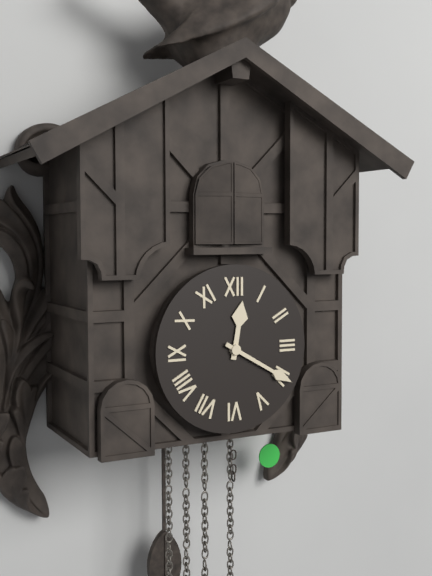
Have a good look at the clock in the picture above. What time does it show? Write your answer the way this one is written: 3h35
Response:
12h20
